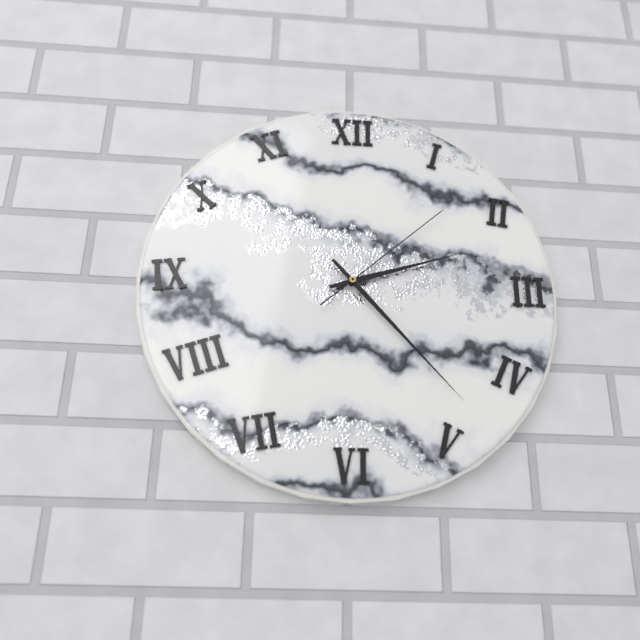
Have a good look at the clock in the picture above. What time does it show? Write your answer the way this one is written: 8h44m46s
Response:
2h23m08s
